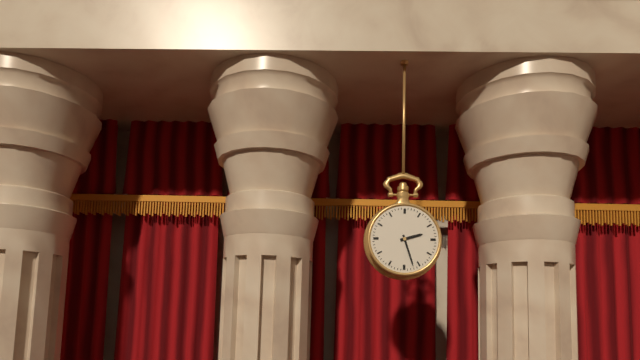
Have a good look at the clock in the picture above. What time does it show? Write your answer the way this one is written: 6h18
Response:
2h27
